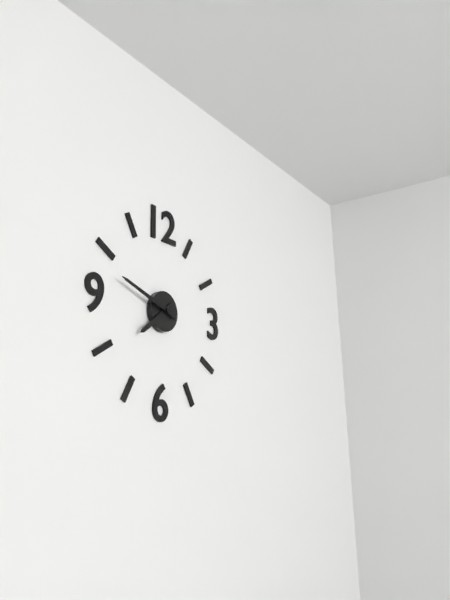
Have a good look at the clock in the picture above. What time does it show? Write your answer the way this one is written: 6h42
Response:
7h48
